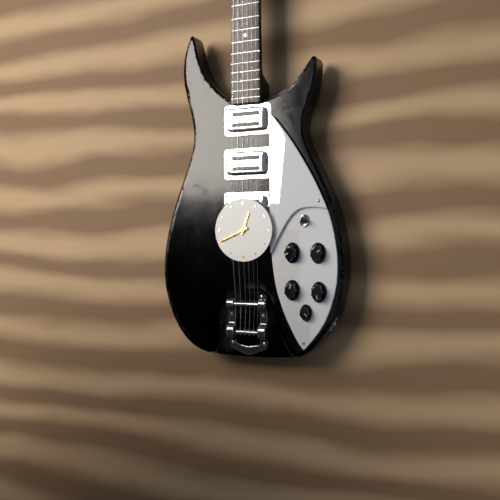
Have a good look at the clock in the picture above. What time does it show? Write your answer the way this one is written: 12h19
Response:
12h41
